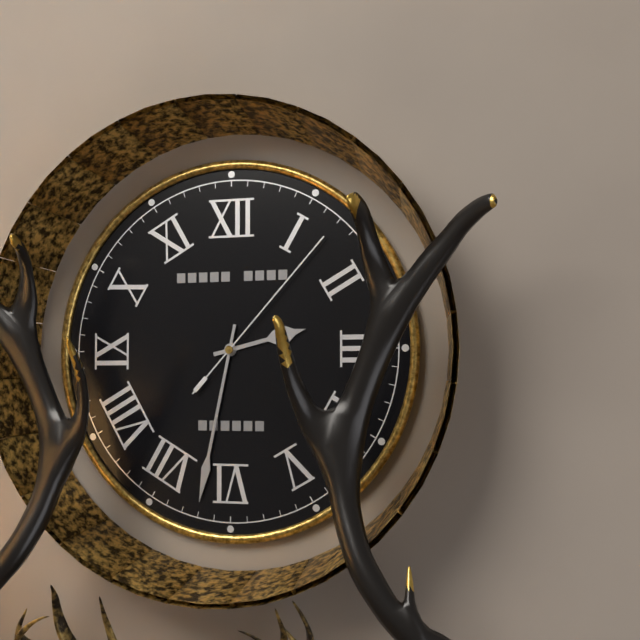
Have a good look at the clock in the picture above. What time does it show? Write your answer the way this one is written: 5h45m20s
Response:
2h32m07s
